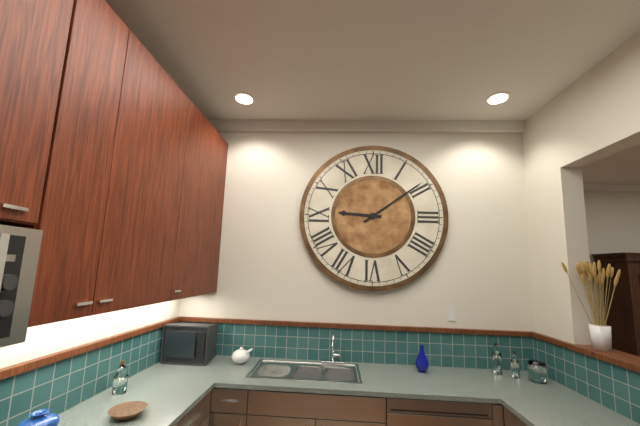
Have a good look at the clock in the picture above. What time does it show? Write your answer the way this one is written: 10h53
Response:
9h09
